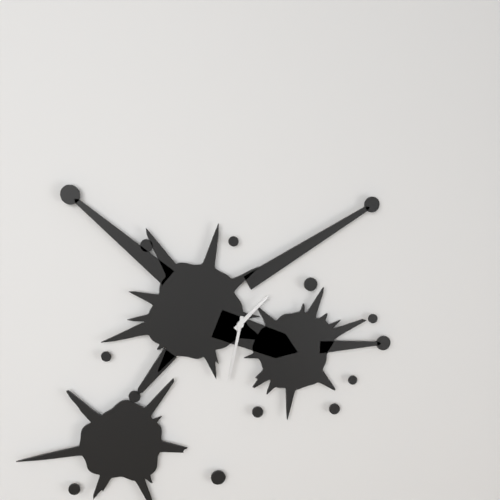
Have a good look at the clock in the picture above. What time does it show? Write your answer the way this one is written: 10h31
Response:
1h32
